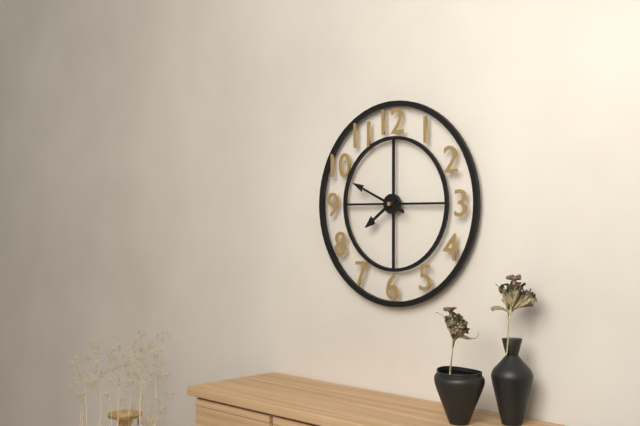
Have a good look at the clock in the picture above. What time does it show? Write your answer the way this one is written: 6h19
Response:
7h49
